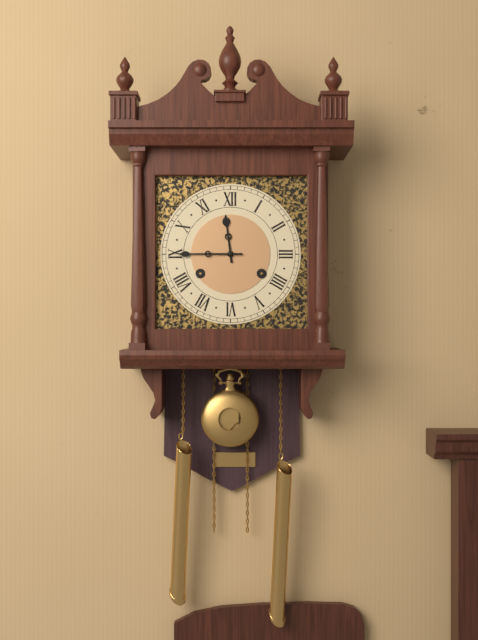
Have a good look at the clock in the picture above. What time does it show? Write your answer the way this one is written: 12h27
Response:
11h45
